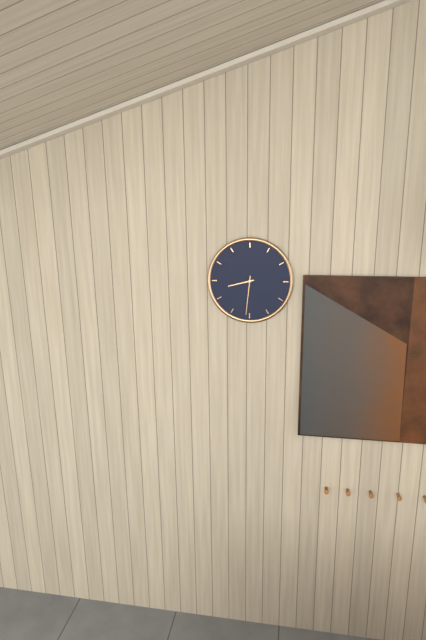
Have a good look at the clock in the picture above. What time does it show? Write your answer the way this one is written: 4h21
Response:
8h31
